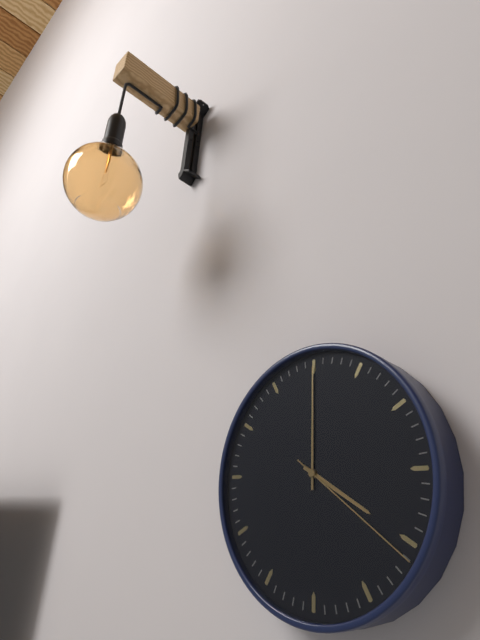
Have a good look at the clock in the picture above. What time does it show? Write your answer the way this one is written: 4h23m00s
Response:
4h00m21s
